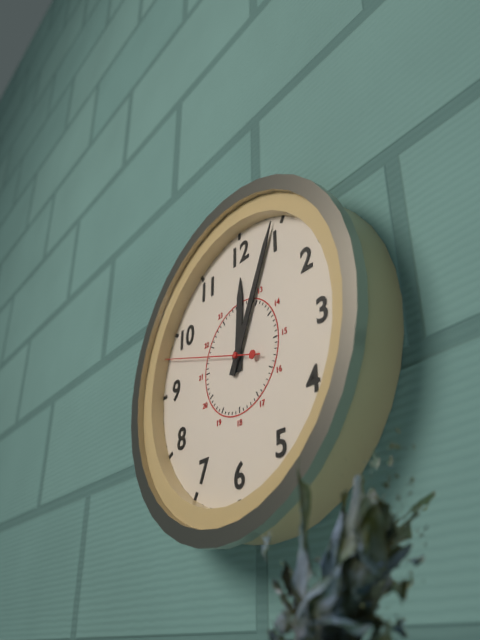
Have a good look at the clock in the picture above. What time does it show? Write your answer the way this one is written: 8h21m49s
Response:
12h04m48s
